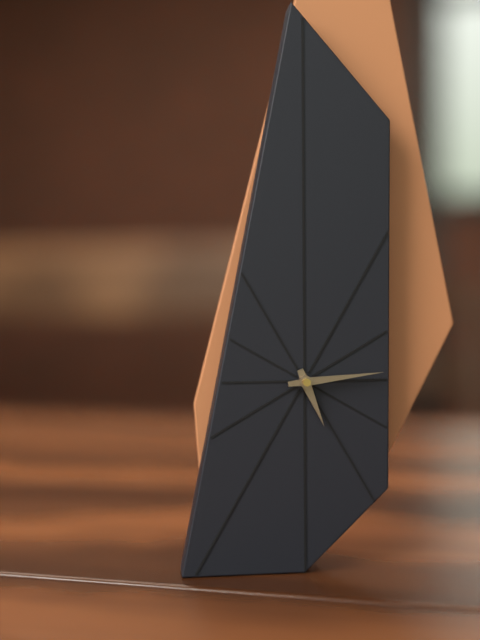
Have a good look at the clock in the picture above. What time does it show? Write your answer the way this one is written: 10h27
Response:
5h14
